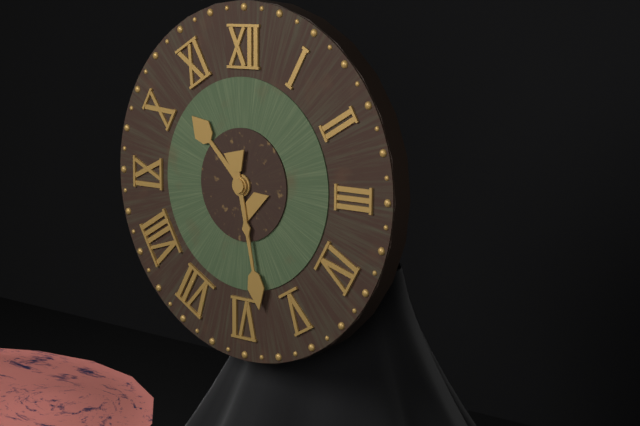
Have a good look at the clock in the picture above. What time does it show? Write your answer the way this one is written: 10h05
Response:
10h28
